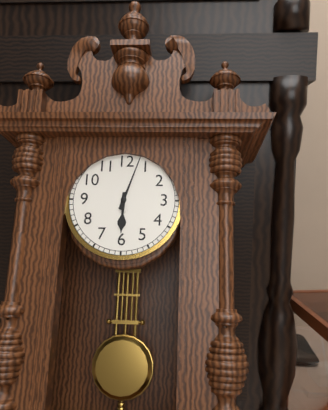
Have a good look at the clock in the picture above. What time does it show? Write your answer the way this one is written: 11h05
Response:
6h03
